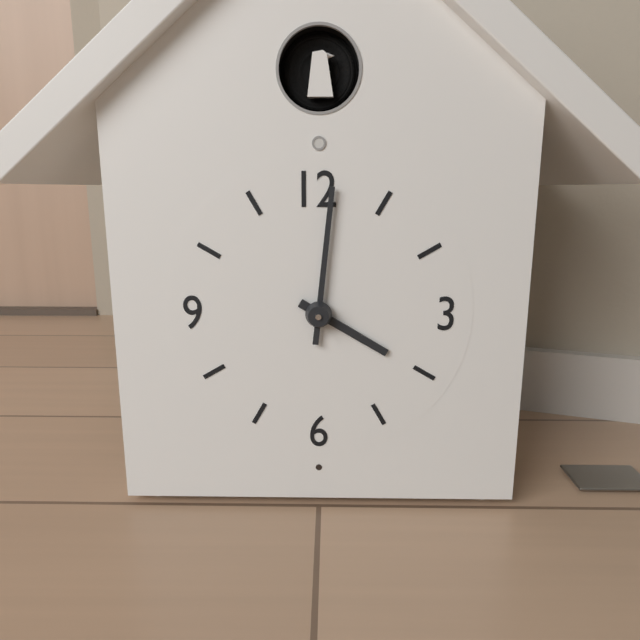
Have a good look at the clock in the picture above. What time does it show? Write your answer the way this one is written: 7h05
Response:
4h01
